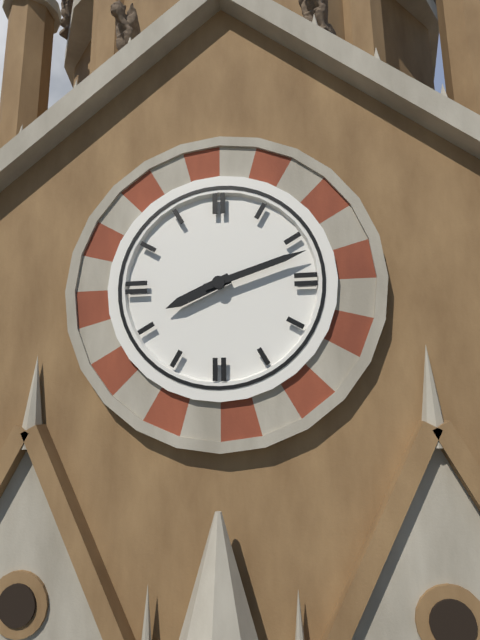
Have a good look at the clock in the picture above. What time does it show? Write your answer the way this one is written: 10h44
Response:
8h12
